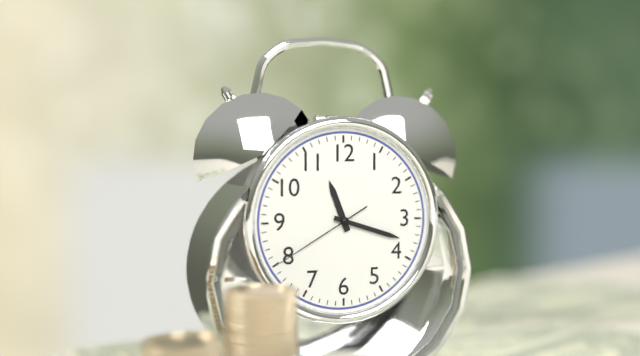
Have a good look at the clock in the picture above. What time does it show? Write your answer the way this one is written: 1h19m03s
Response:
11h18m40s
